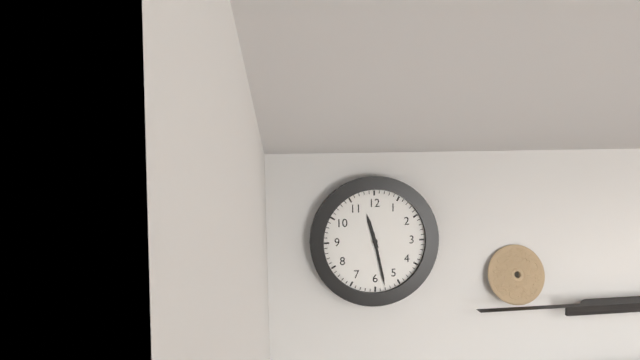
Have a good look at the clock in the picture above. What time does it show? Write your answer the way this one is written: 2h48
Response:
11h28
